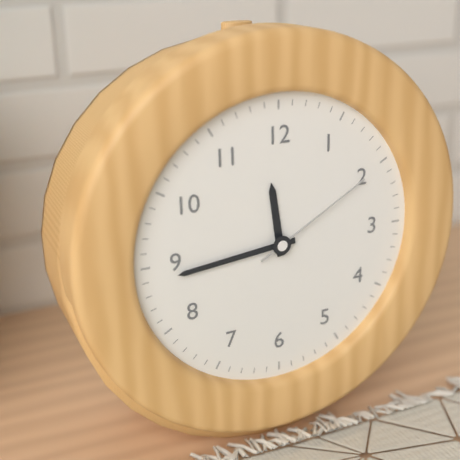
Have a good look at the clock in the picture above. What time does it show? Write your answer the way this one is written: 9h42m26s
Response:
11h44m10s
